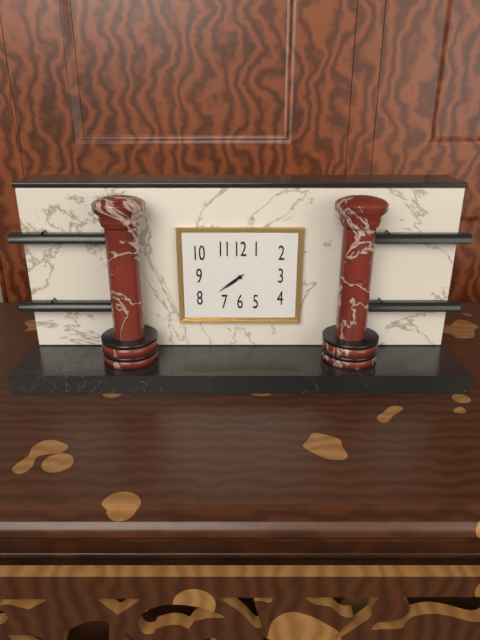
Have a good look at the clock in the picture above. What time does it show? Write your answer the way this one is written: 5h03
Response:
7h39
